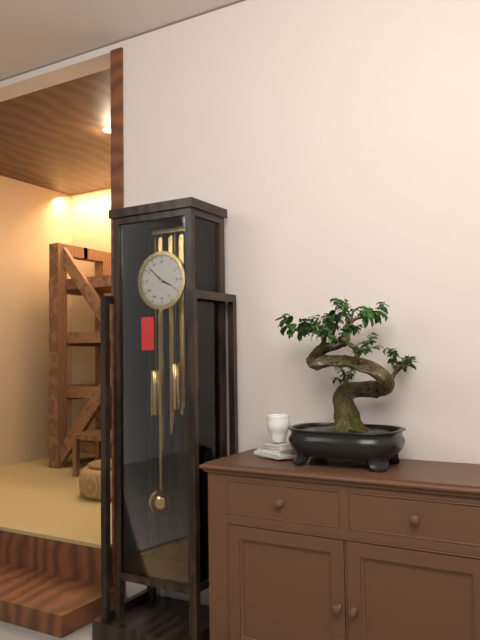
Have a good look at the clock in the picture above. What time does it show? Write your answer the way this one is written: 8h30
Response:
3h52
